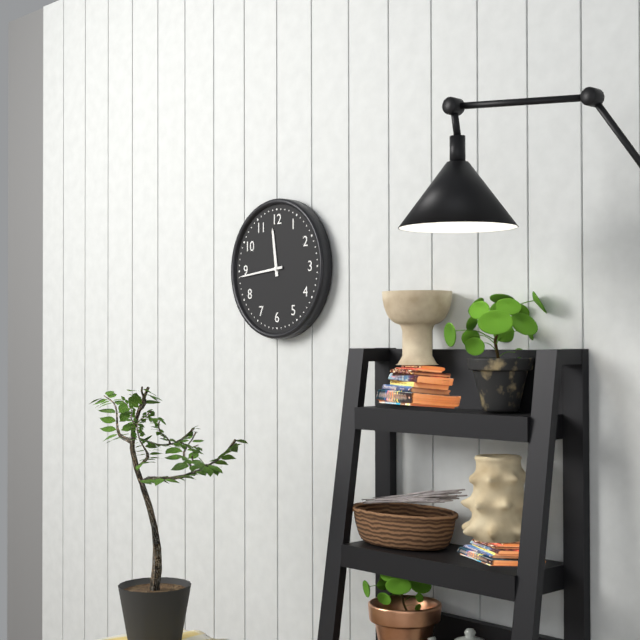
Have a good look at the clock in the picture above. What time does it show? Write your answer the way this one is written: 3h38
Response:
11h44
